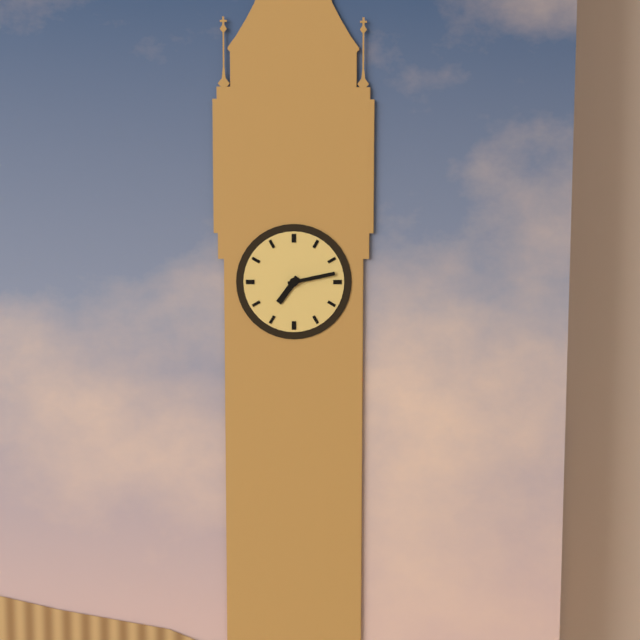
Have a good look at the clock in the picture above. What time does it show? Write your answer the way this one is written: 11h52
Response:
7h13
